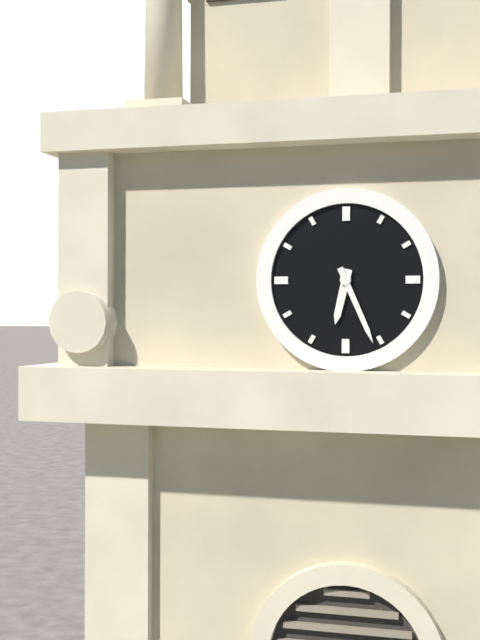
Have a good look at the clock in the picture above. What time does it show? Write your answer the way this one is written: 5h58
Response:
6h26
